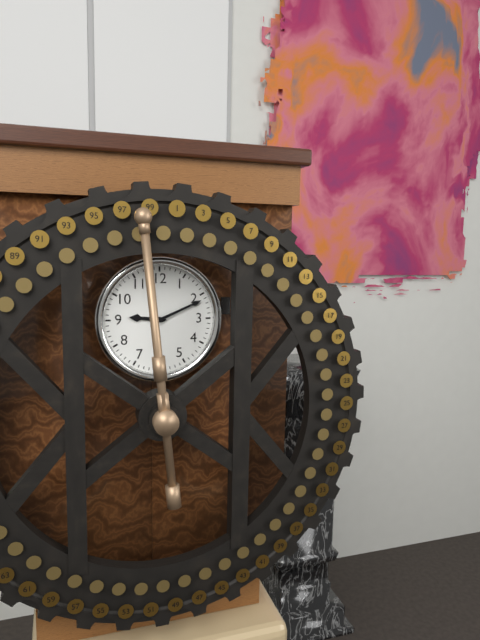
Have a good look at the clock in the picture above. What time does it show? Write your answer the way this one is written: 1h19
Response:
9h11
